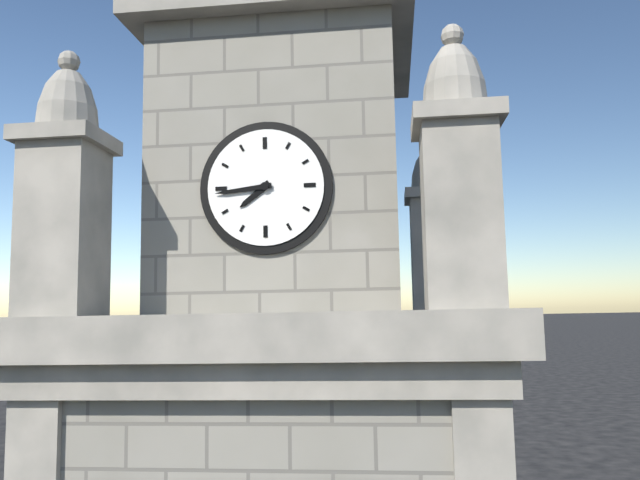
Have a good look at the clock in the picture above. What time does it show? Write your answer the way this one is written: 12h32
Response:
7h44
